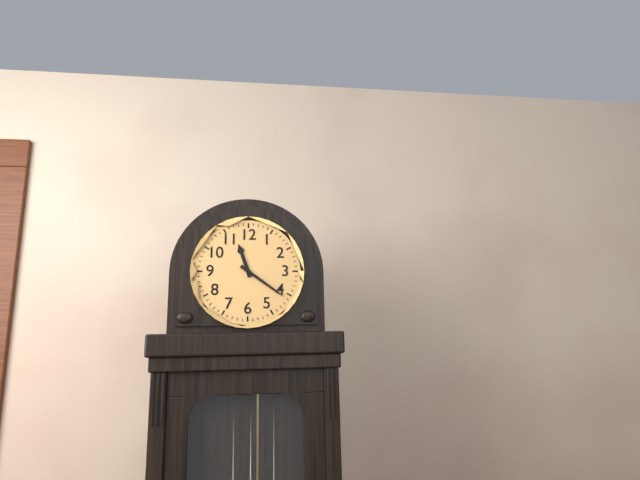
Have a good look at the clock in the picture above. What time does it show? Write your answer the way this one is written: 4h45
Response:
11h21
